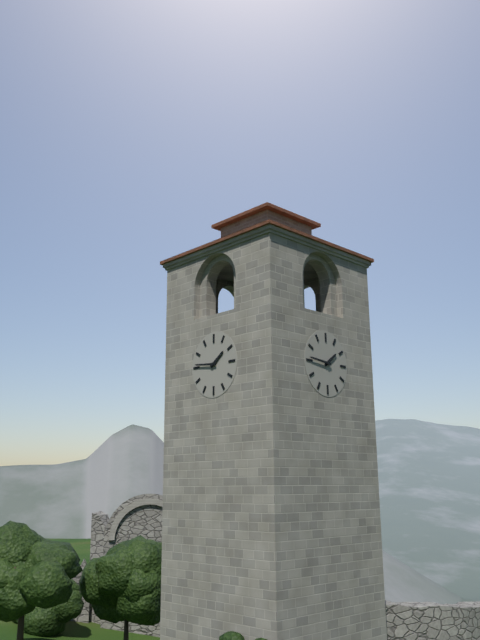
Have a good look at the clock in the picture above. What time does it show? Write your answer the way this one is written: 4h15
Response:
1h46
